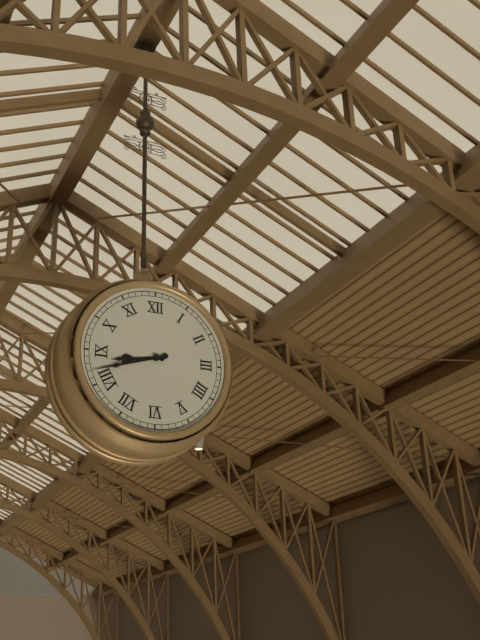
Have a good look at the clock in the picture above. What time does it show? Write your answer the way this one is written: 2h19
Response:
8h42
